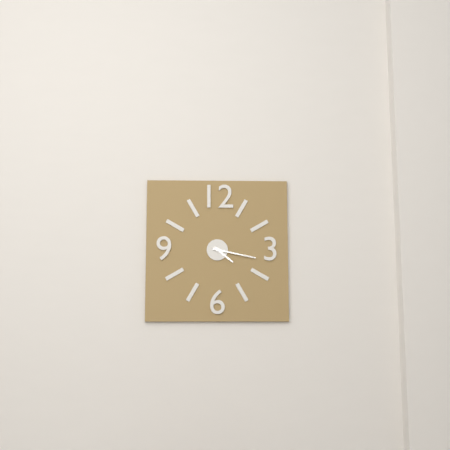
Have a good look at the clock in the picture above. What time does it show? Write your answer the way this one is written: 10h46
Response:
4h17
